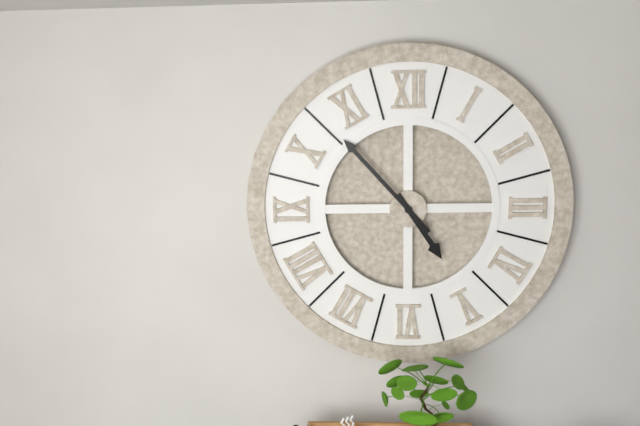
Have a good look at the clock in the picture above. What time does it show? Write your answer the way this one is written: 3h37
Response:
4h53
